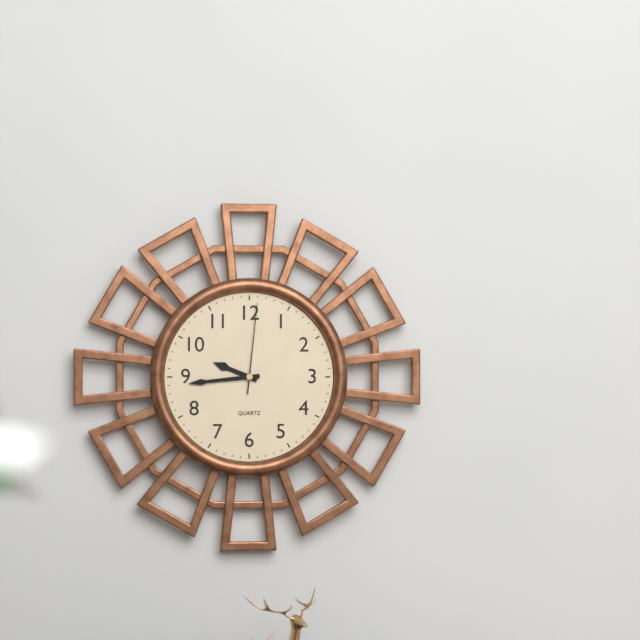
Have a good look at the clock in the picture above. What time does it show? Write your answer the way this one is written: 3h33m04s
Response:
9h44m01s
